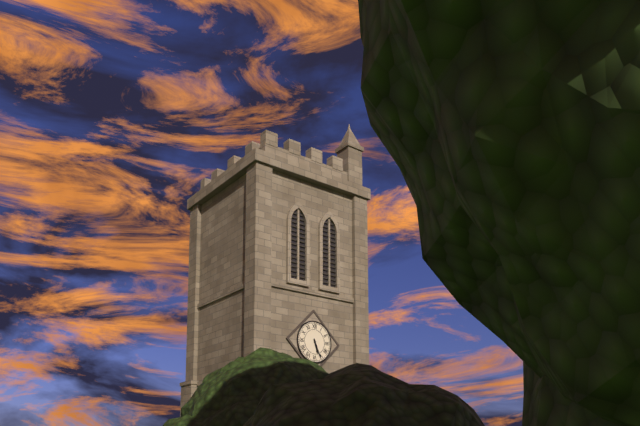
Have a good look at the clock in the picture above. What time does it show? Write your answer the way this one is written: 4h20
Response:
5h26
